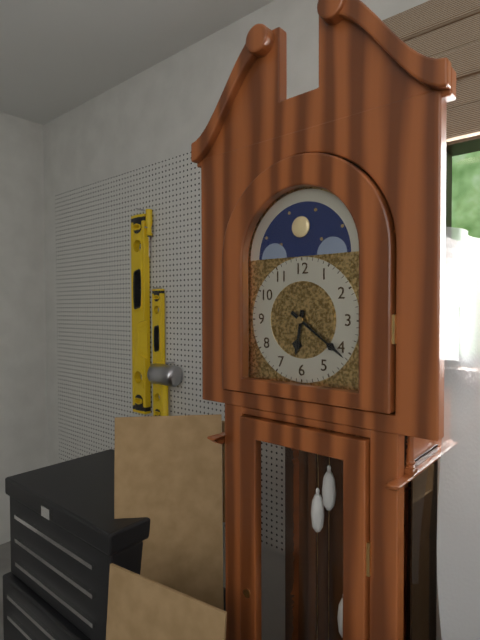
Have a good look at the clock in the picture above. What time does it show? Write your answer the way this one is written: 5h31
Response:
6h21
